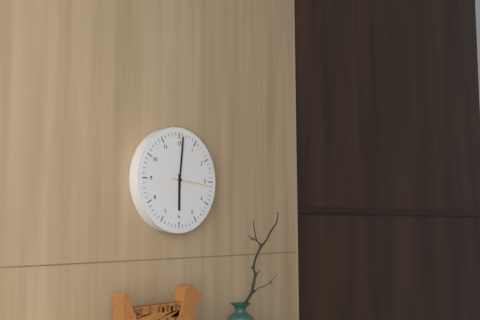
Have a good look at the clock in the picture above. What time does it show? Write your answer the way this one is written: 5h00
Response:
6h01
